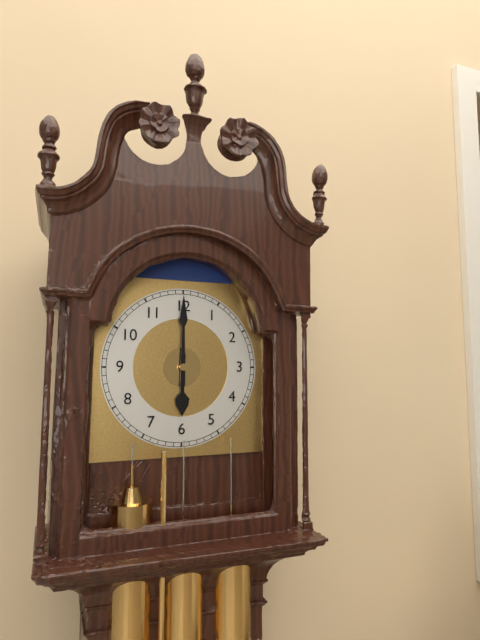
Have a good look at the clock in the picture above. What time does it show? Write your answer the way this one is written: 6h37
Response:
6h00
